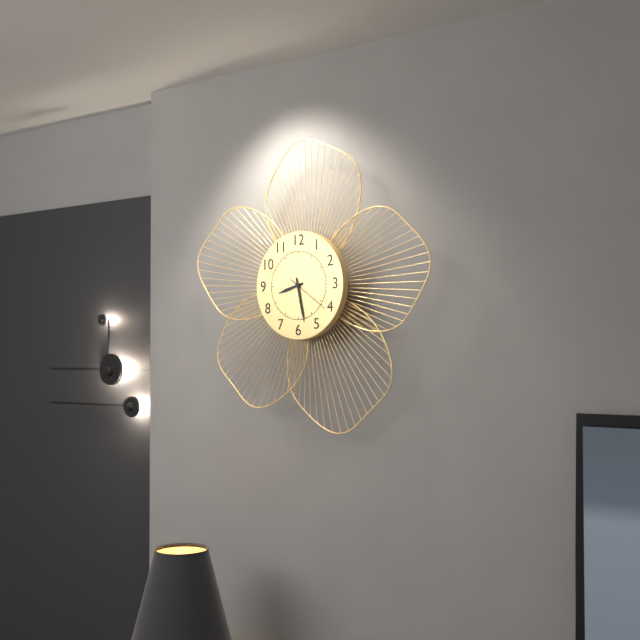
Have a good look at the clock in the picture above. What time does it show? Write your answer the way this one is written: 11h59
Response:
8h28
